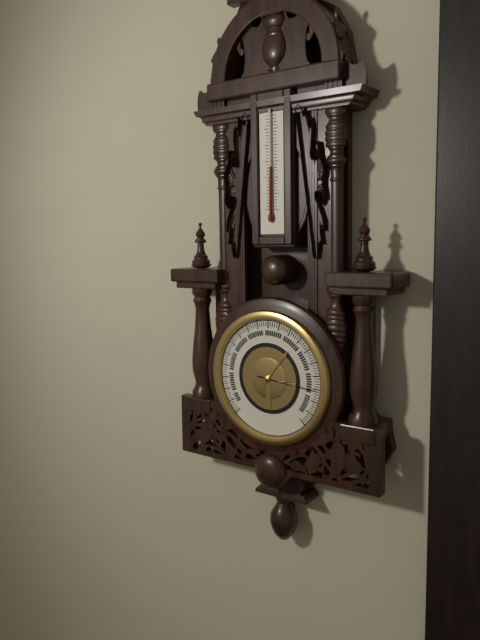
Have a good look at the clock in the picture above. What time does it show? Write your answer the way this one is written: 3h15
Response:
1h16
